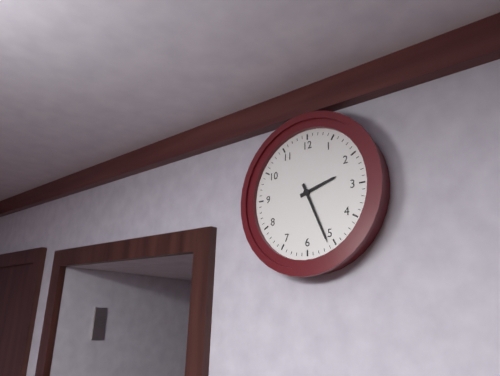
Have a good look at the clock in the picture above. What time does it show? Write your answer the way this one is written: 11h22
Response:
2h26
